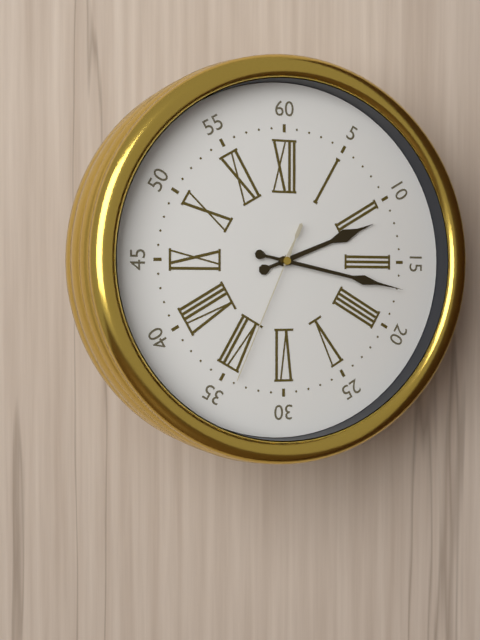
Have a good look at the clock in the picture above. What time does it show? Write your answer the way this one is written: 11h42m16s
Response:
2h17m34s
